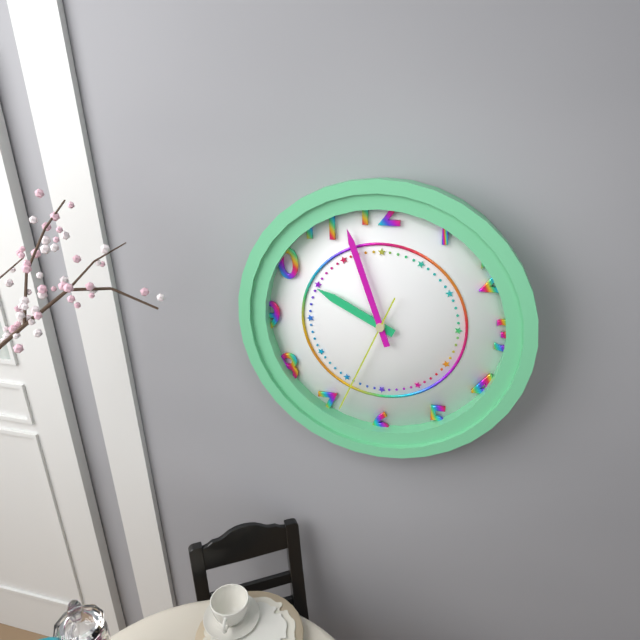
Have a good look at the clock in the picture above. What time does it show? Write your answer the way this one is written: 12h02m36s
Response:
9h57m34s
